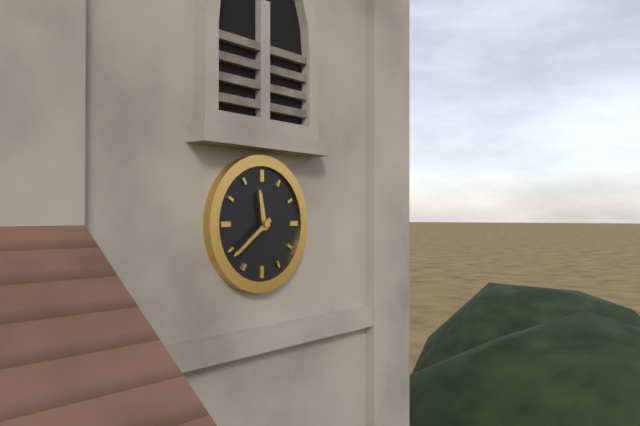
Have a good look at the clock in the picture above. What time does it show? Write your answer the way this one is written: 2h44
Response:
11h39
